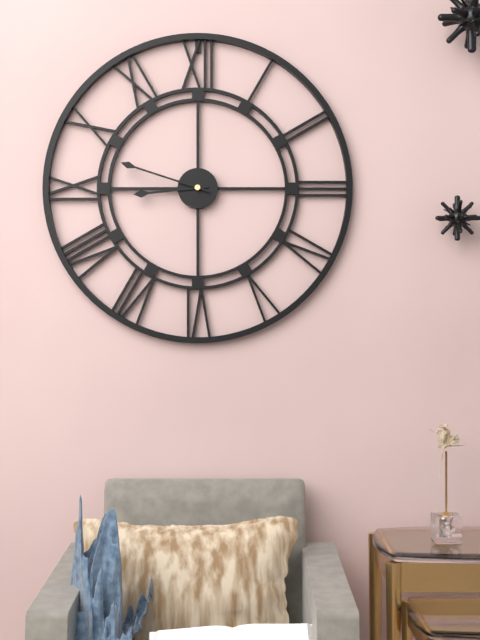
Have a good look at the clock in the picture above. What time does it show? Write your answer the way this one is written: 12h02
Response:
8h48
